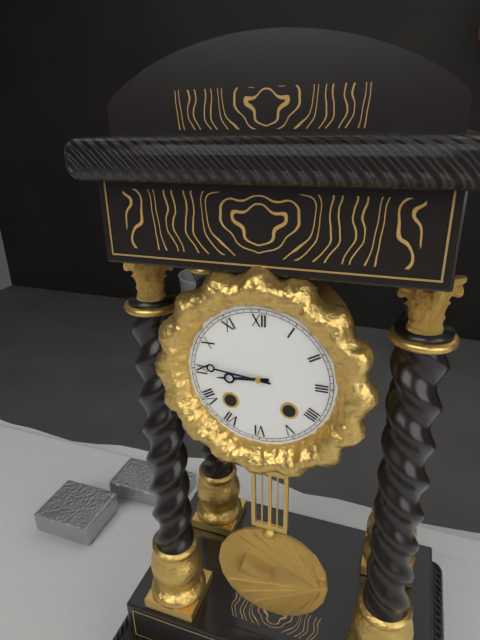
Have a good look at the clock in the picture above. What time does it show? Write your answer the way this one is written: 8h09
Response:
8h46
